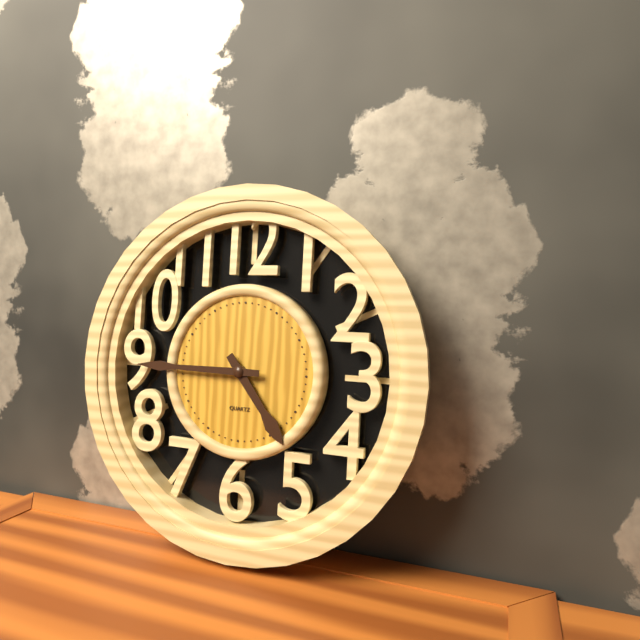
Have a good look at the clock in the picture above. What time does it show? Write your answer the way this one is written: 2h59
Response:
4h45
